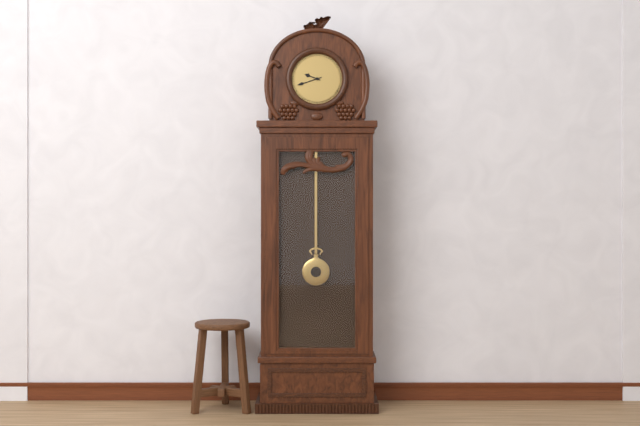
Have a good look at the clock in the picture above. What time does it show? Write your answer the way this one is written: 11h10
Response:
9h42
